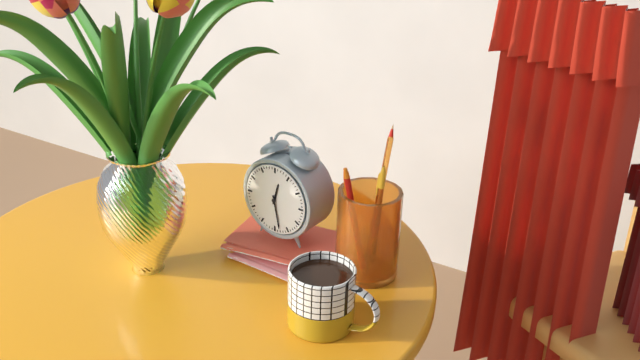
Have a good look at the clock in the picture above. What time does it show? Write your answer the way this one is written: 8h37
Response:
12h28
